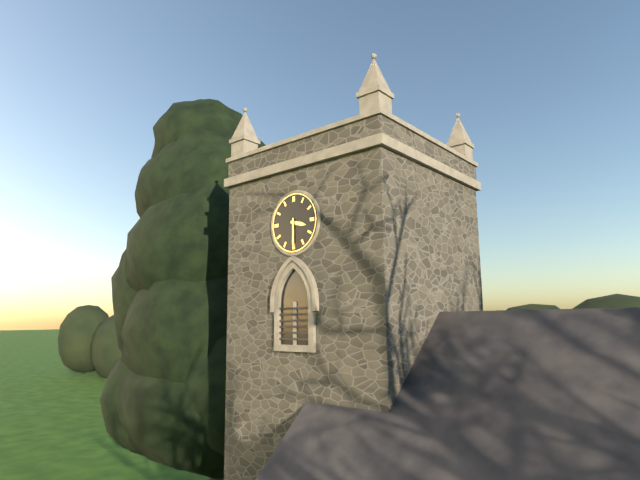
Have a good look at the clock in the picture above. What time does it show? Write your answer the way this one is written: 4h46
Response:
3h30
